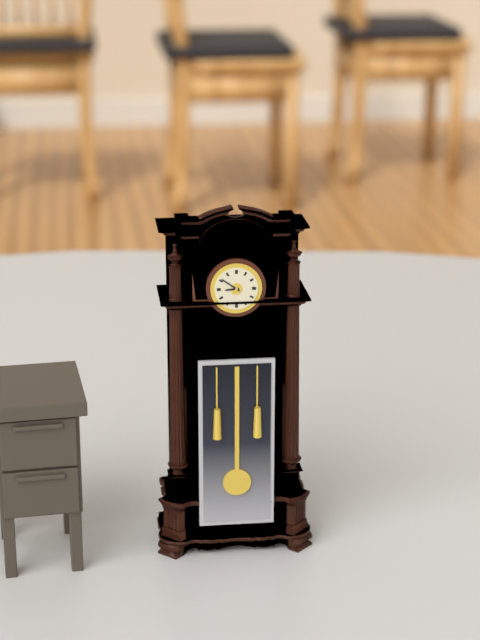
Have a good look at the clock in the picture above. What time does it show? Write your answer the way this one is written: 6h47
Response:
8h51
